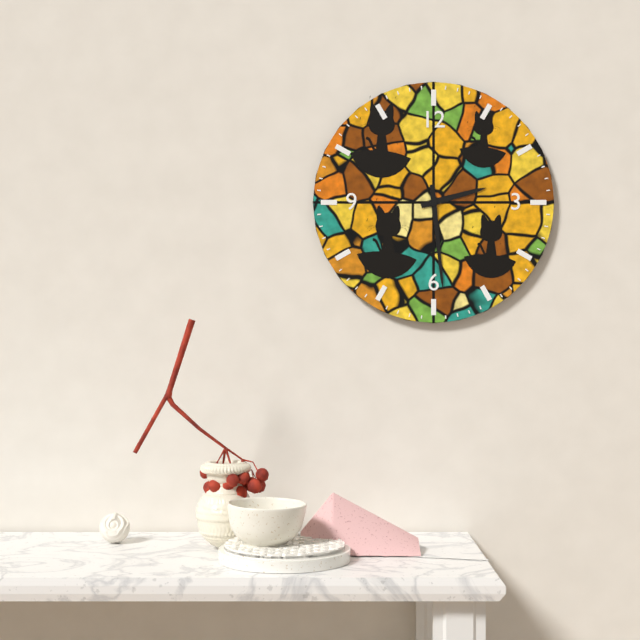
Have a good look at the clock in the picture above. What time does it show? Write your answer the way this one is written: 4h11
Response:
2h29
